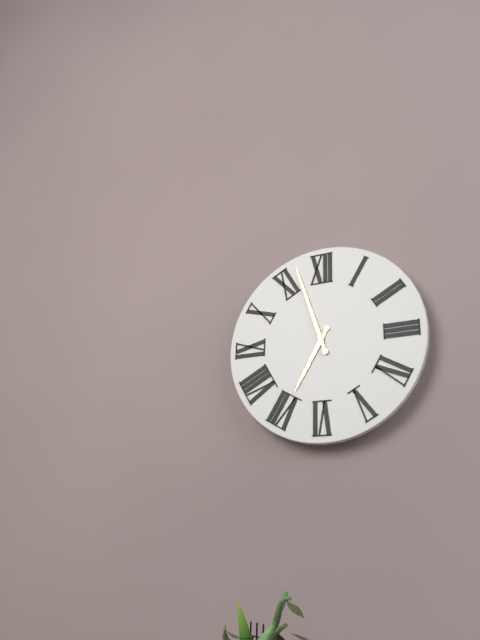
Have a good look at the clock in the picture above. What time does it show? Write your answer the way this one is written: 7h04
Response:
6h57
